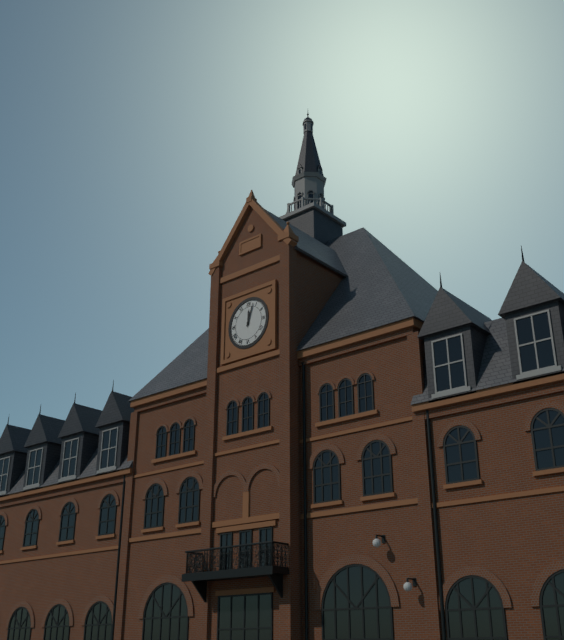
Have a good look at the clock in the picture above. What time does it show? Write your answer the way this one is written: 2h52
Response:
12h03
